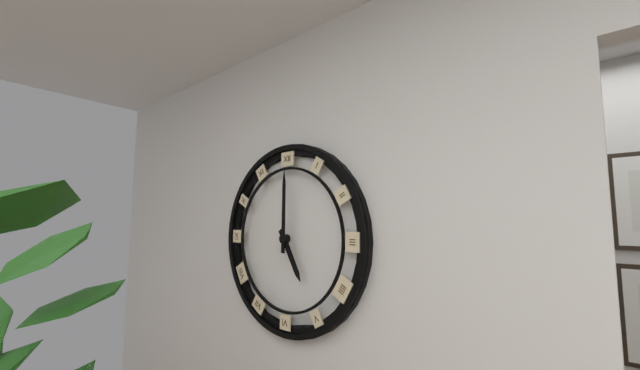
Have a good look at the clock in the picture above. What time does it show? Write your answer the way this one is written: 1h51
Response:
5h00
